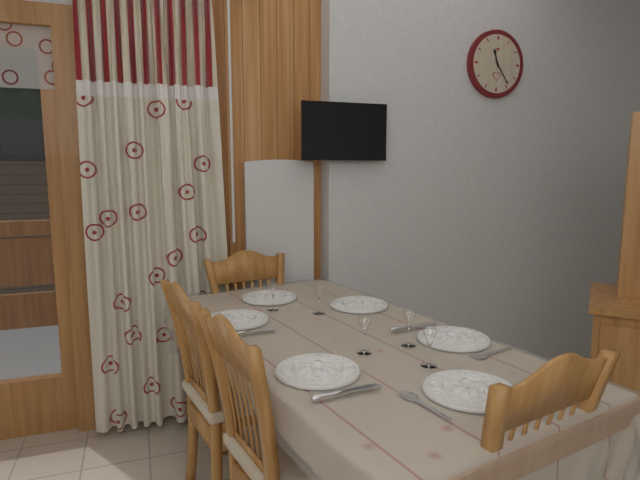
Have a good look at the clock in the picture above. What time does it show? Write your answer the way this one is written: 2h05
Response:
11h24
